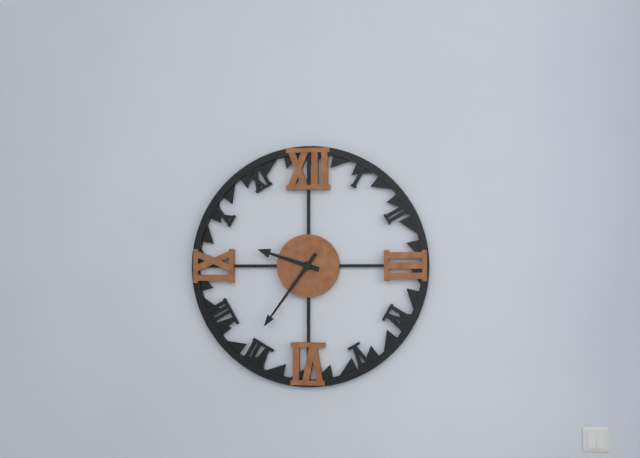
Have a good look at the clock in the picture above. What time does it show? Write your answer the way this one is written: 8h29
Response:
9h36
